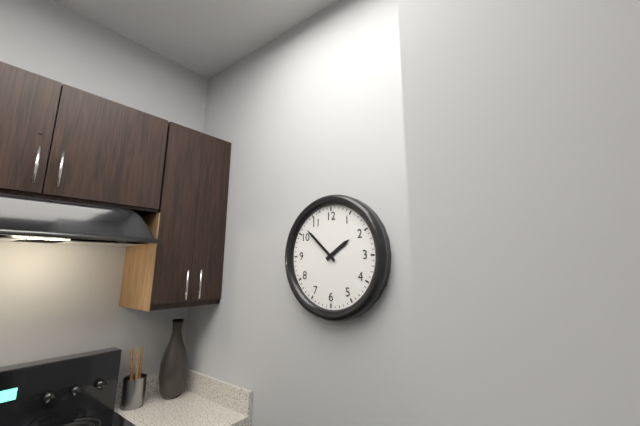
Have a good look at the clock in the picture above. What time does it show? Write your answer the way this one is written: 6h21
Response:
1h52
